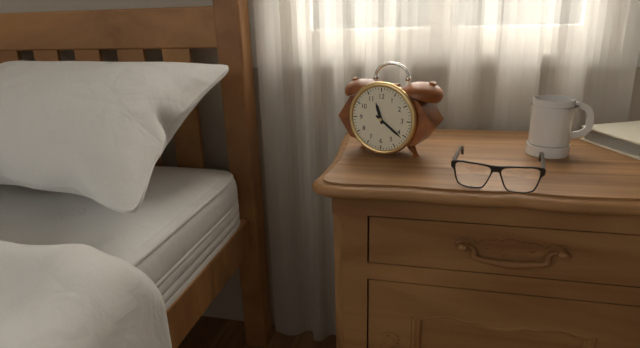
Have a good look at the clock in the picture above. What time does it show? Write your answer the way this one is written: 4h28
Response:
11h21
